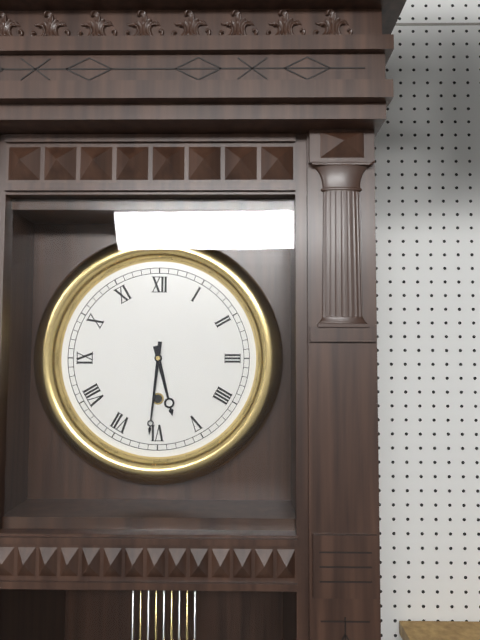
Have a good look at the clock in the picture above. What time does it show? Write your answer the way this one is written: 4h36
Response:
5h31
